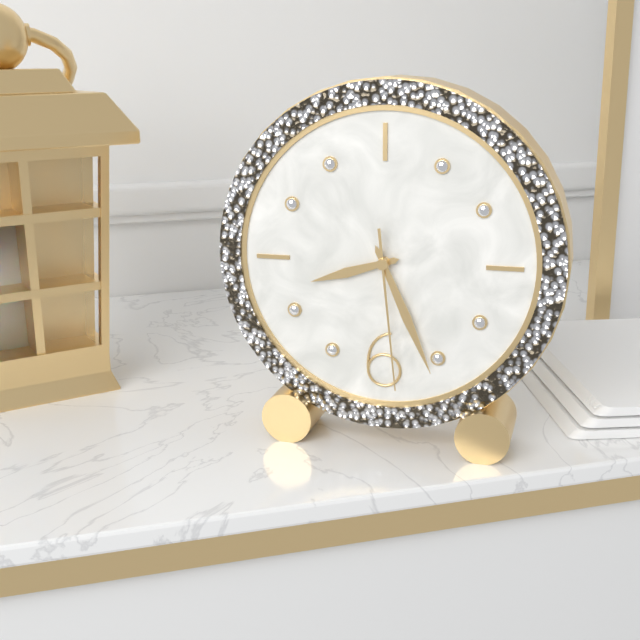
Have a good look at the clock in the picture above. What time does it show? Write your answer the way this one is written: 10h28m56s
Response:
8h26m29s
